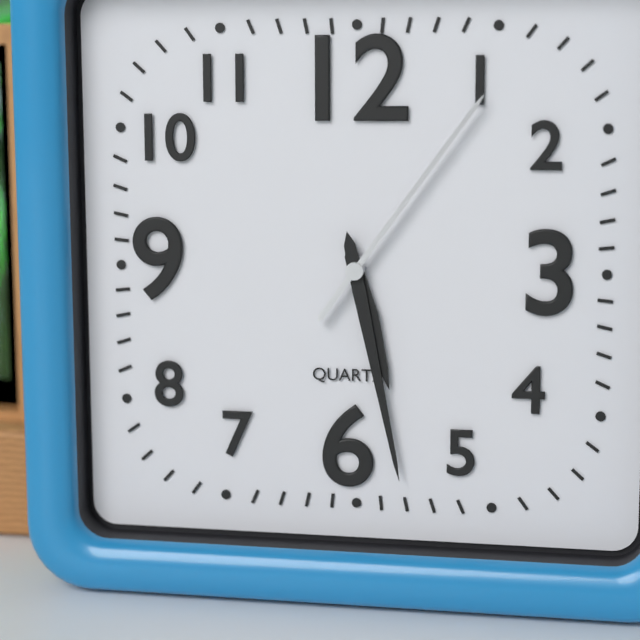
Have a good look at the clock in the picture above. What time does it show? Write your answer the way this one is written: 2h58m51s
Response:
5h28m06s
